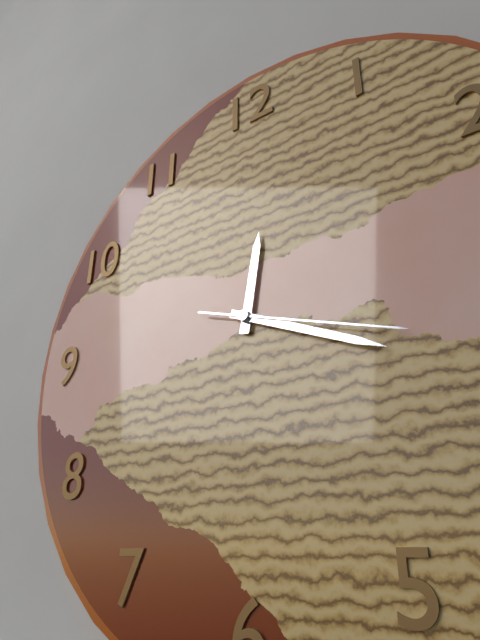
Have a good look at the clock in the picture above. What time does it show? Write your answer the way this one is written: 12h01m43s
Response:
12h19m18s
